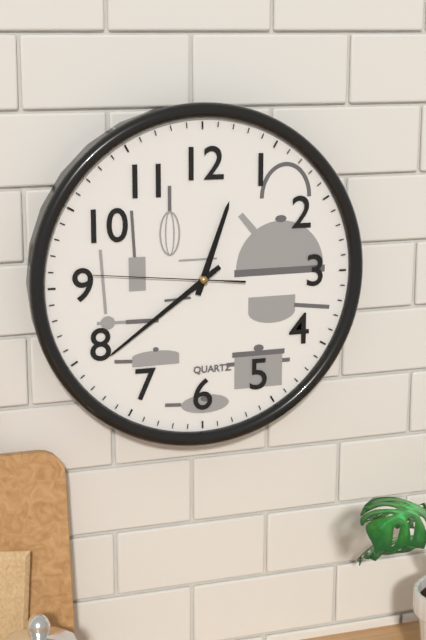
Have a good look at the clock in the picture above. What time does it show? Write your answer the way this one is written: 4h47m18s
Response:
12h39m46s
